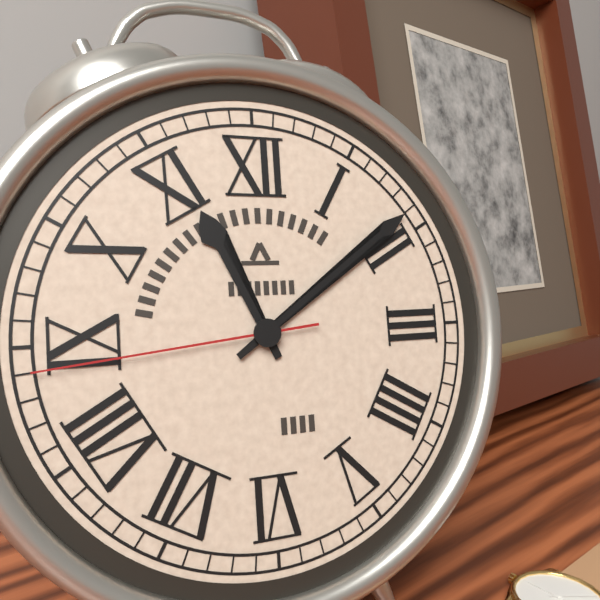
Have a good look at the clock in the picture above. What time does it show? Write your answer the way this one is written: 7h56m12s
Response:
11h09m44s
